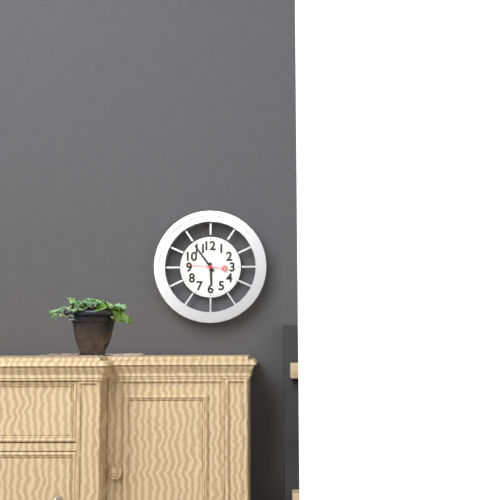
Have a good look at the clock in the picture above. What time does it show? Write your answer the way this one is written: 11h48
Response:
5h54
